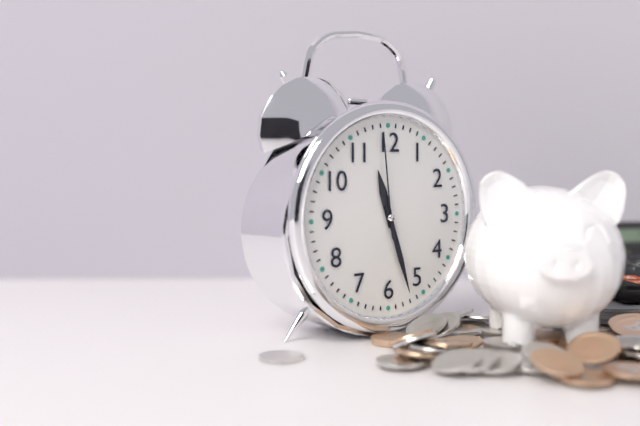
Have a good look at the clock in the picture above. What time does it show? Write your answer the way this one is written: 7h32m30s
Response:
11h27m59s
